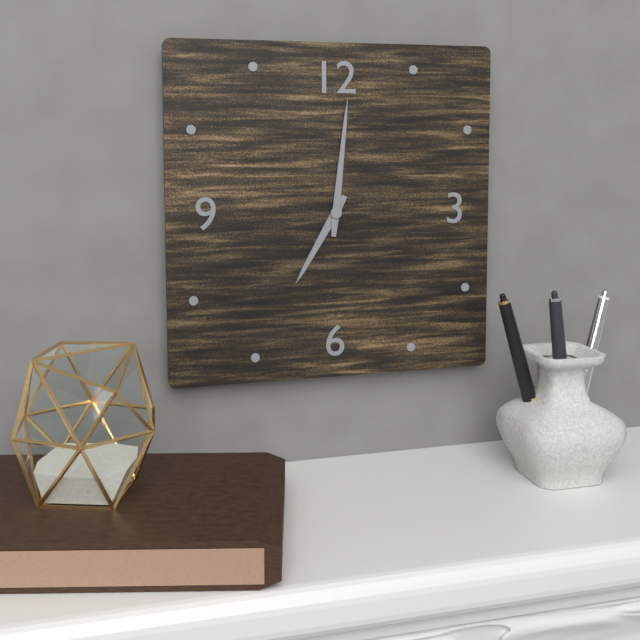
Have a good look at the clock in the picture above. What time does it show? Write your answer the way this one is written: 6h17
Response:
7h01
